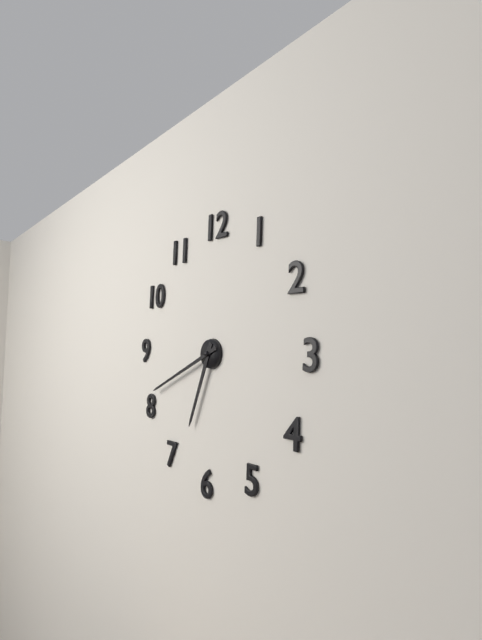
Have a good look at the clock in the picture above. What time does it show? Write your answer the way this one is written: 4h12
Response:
6h41
